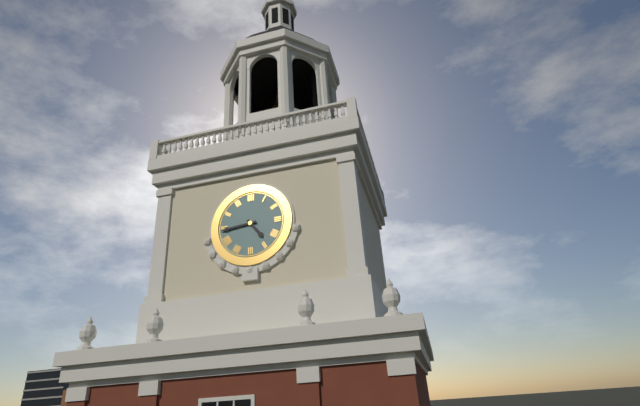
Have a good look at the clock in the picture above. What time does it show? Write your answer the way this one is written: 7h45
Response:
4h44
